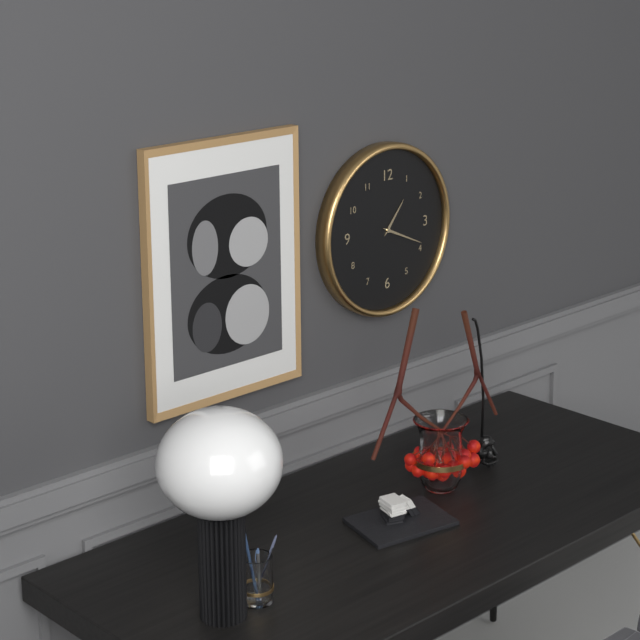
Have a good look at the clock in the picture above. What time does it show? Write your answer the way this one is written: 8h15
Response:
1h19
